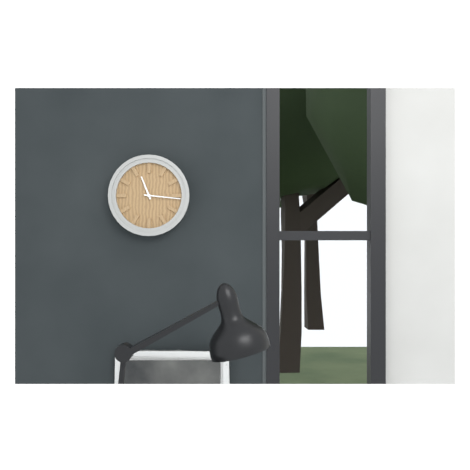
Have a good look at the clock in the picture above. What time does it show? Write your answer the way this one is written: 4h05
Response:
11h16
